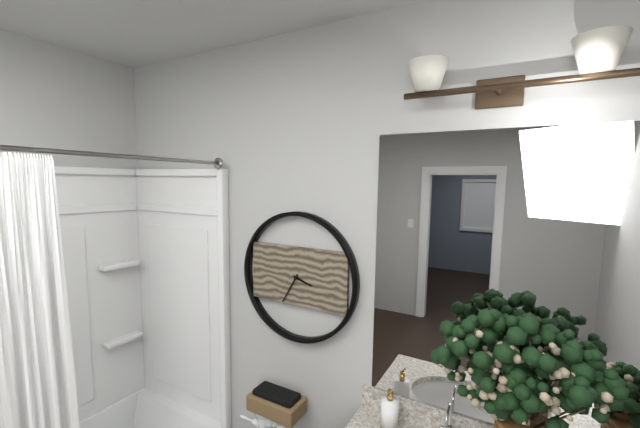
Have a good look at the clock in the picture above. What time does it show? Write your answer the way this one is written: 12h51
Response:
3h35
